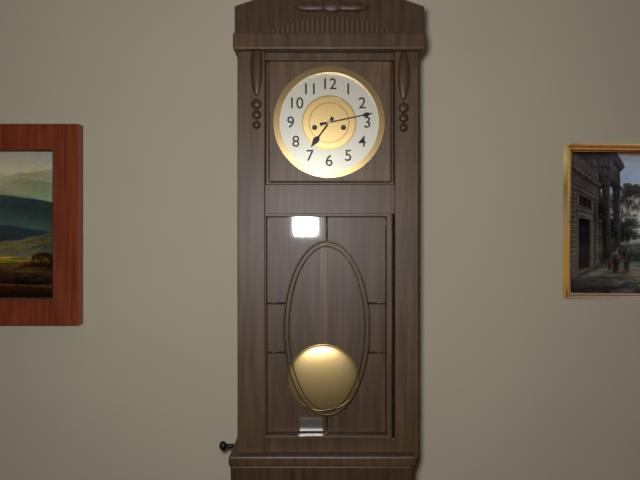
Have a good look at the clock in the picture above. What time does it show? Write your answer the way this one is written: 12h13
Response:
7h13
